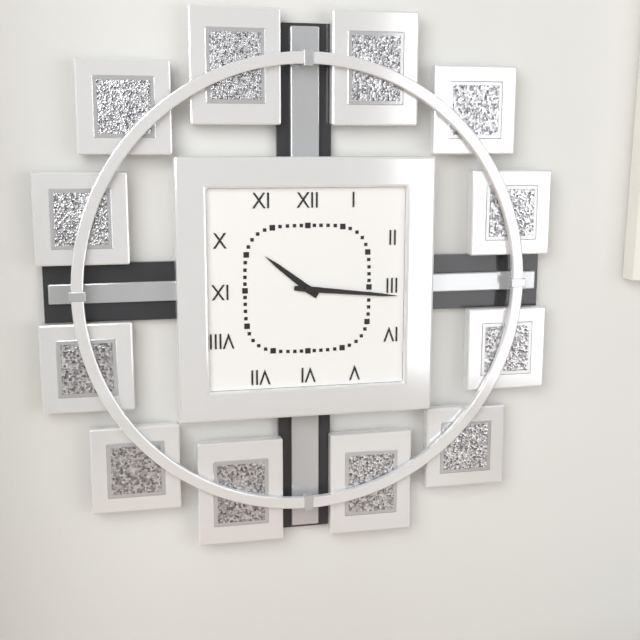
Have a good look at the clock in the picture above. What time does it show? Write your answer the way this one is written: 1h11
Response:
10h16
